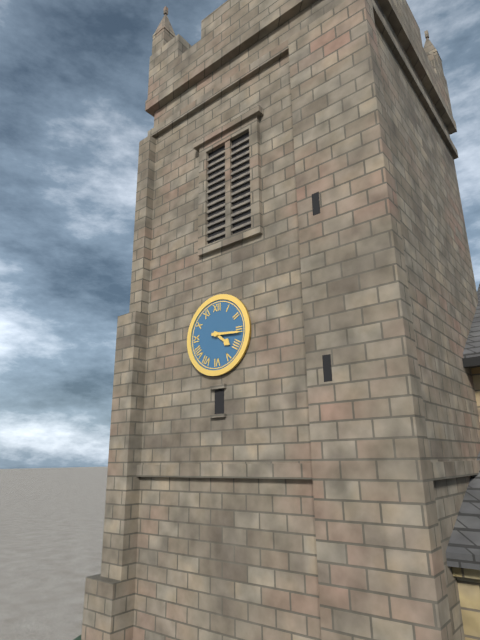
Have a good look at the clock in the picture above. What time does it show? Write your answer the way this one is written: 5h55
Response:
4h16
